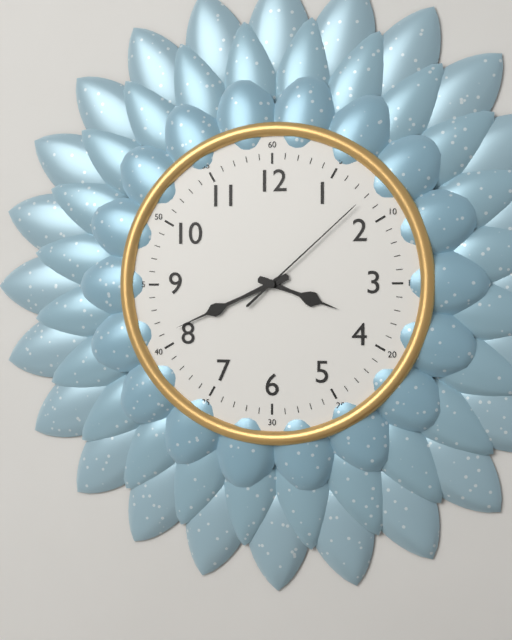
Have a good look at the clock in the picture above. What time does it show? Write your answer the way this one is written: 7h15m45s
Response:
3h41m08s
